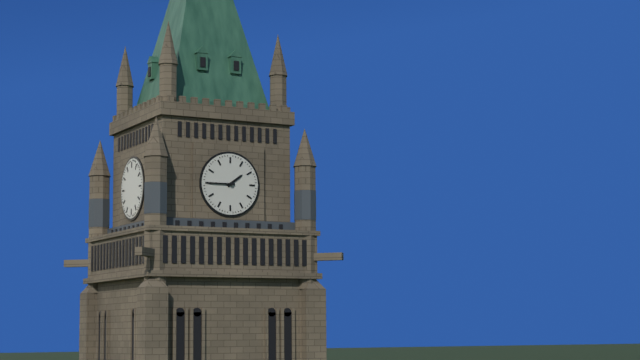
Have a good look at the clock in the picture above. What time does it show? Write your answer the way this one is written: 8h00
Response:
1h45
